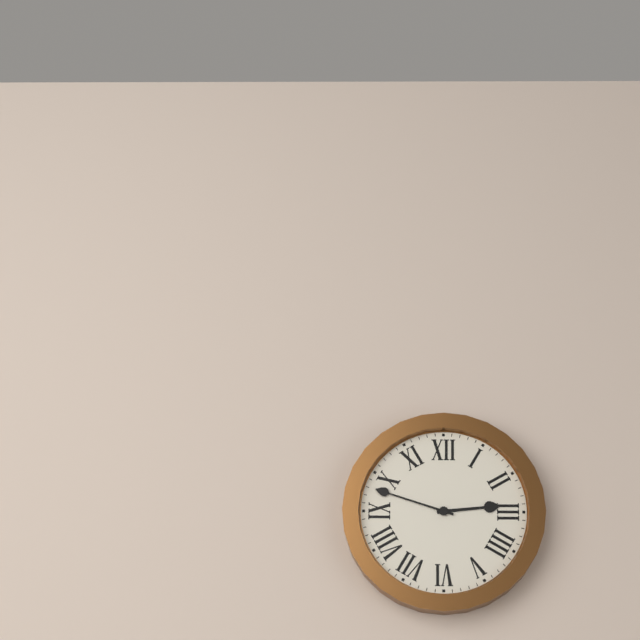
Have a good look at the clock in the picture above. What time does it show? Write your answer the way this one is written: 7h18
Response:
2h48
